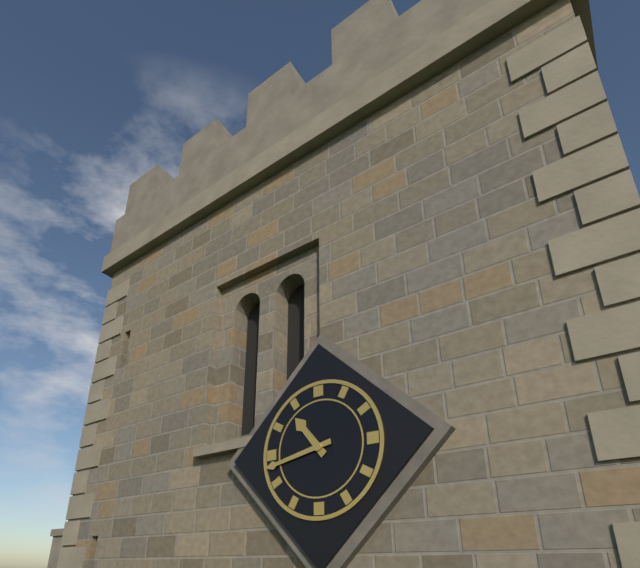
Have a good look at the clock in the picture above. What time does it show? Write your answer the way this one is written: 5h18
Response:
10h43
